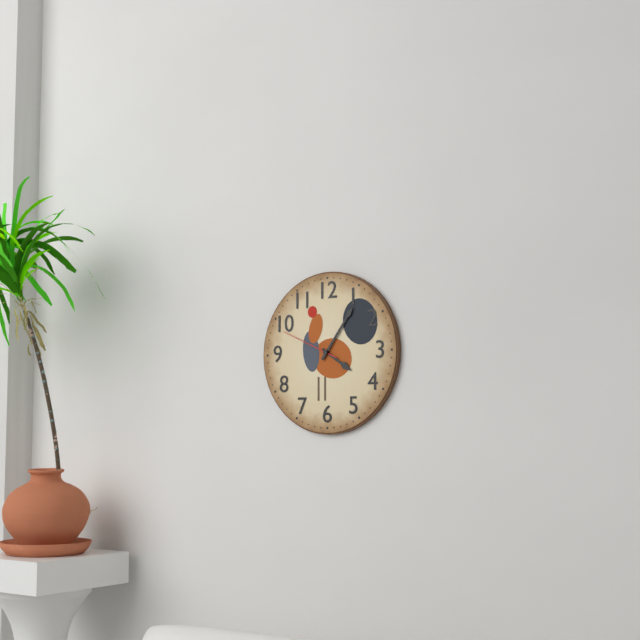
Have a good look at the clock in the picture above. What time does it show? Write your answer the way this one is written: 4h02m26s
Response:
4h06m49s
